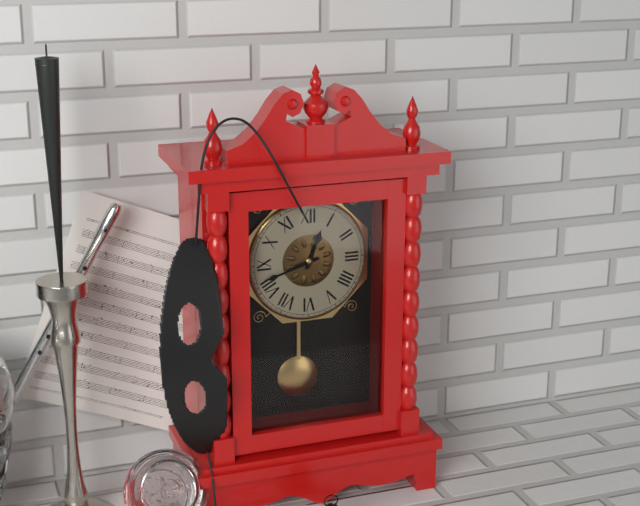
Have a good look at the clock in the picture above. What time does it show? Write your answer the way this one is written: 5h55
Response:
12h42
